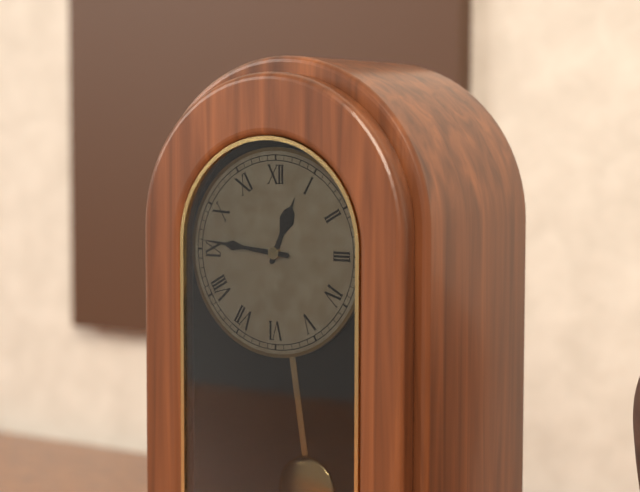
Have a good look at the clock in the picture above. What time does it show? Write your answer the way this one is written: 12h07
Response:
12h46
